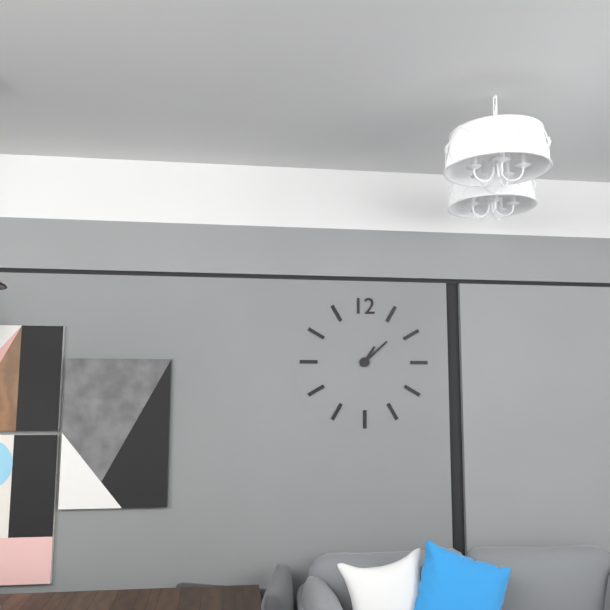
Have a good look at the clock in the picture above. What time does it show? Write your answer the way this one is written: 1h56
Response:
1h08
